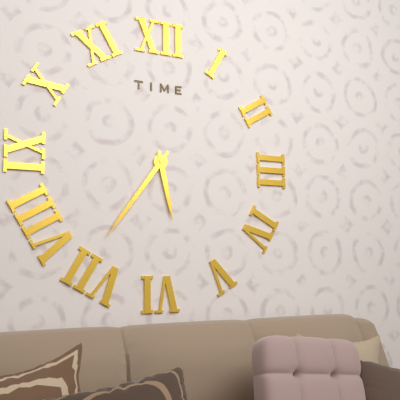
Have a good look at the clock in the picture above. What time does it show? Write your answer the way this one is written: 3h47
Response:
5h36
